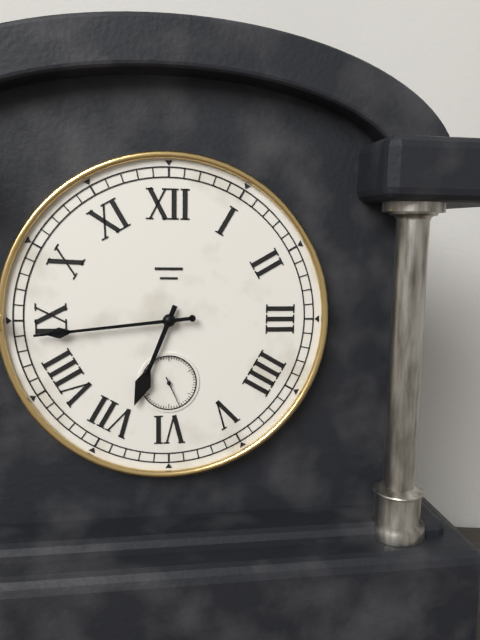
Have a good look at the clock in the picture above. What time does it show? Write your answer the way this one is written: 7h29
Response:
6h44
